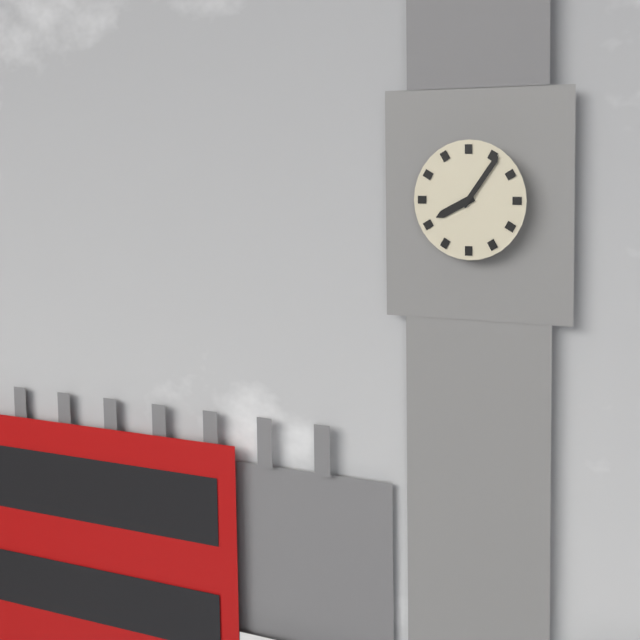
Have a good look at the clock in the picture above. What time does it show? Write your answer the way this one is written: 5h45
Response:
8h06
